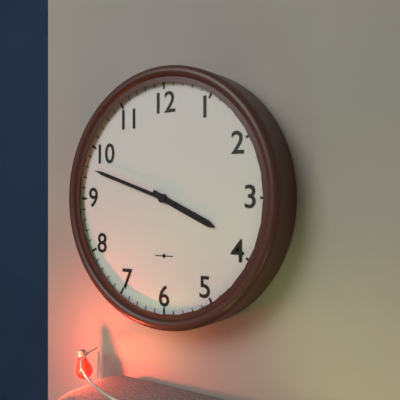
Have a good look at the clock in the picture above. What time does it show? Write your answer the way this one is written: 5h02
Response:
3h48
